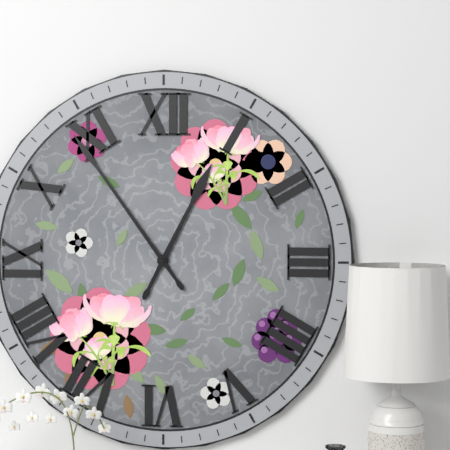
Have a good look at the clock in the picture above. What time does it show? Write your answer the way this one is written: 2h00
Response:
12h54
